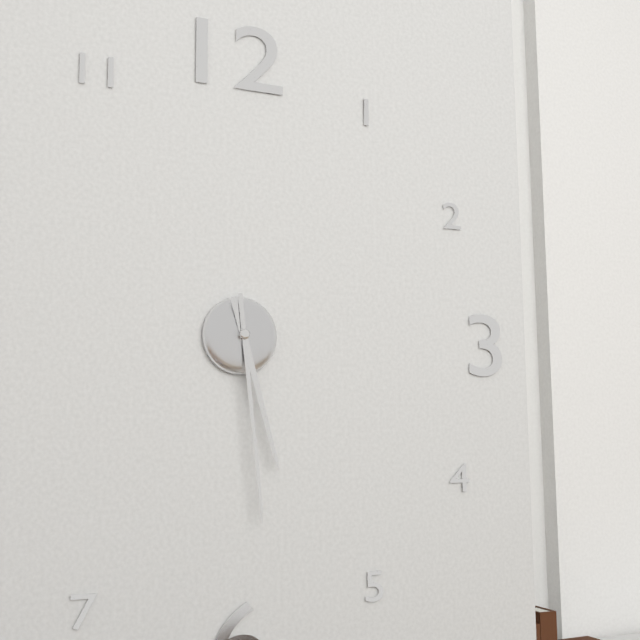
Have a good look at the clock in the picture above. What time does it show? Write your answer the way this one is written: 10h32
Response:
5h29
